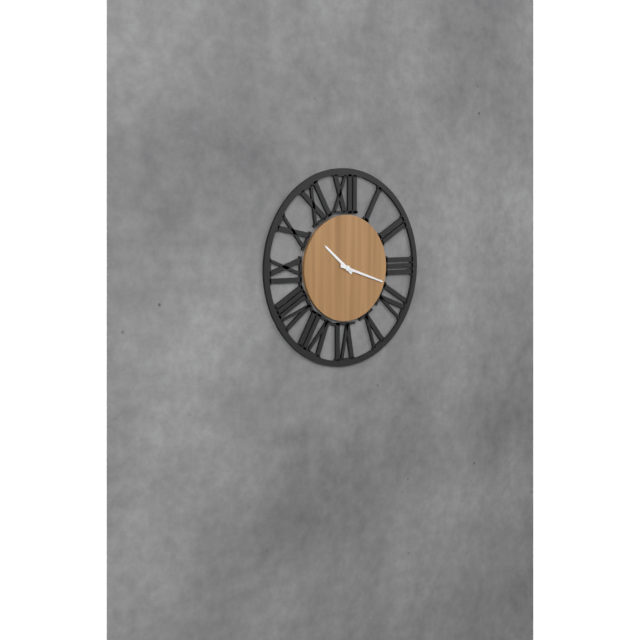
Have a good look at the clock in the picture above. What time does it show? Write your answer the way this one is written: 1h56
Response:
10h18
